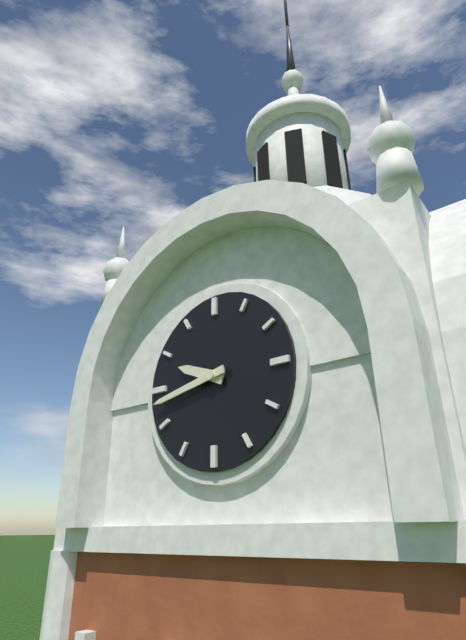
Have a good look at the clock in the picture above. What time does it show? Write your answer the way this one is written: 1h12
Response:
9h43
